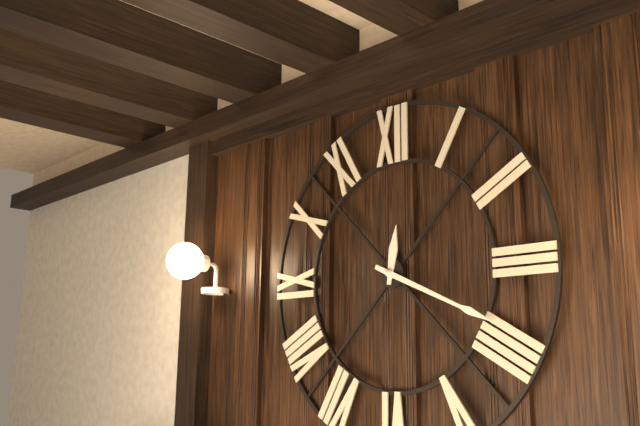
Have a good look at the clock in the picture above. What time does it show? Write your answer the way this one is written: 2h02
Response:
12h19
